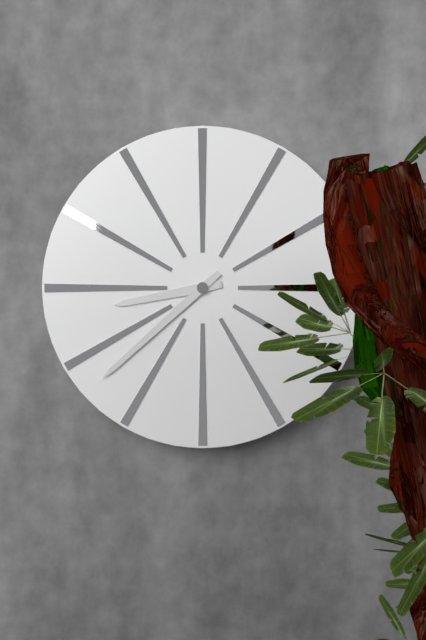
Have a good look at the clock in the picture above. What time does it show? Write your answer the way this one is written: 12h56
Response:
8h38
